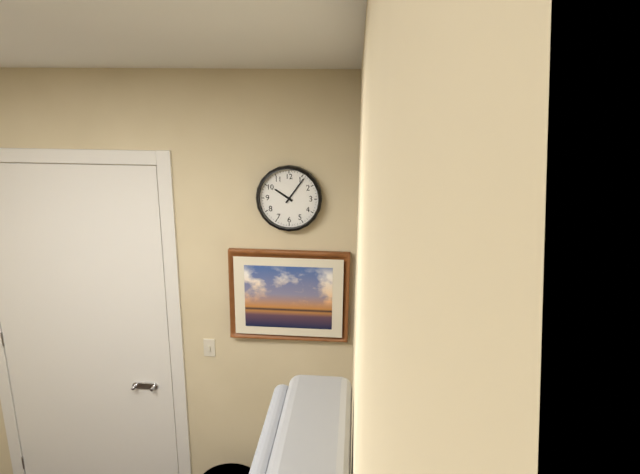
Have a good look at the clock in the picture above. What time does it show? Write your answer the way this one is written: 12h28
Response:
10h06
